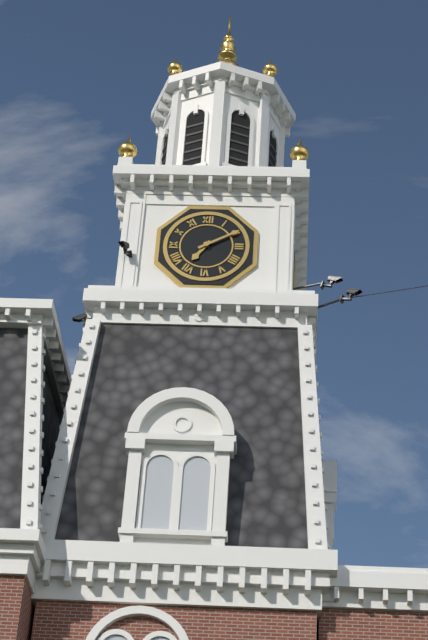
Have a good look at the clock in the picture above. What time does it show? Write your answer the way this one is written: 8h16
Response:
7h10
